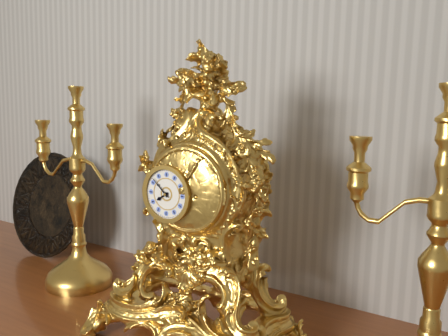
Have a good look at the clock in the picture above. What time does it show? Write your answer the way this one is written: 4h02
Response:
7h52
